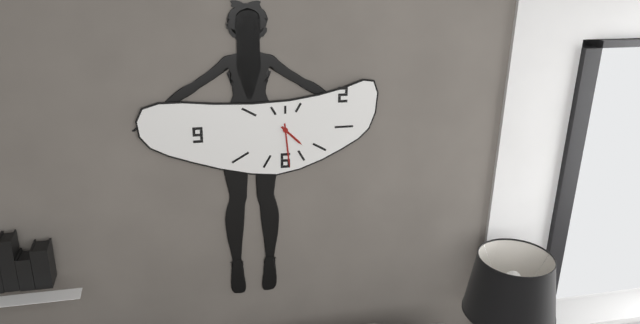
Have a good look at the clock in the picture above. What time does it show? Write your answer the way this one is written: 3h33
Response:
4h29
